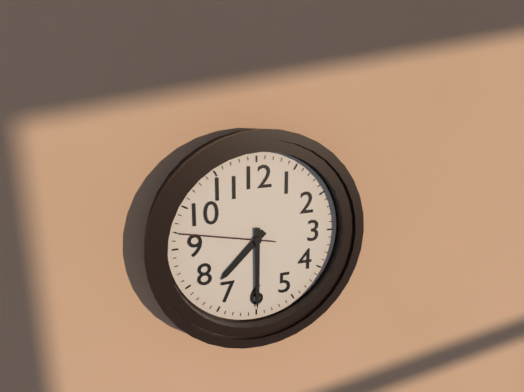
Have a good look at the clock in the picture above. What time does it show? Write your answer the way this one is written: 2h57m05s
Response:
7h30m47s
